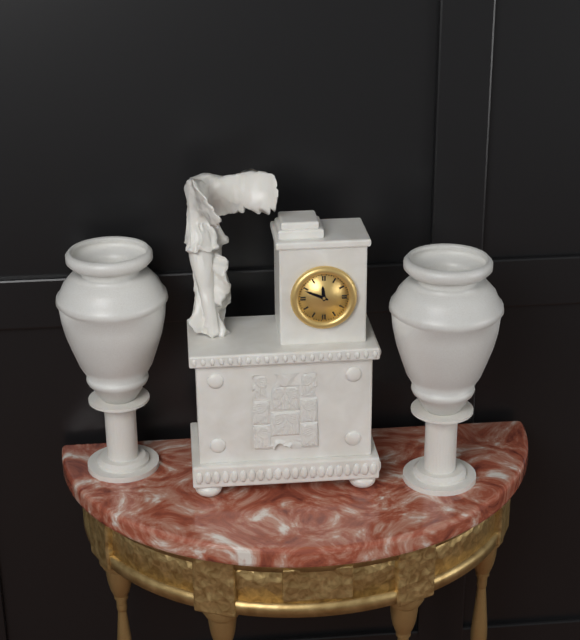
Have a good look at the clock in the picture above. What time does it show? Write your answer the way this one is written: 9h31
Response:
11h49
